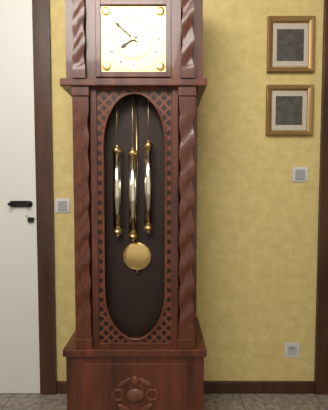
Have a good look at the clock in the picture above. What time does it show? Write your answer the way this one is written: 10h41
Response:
7h52
